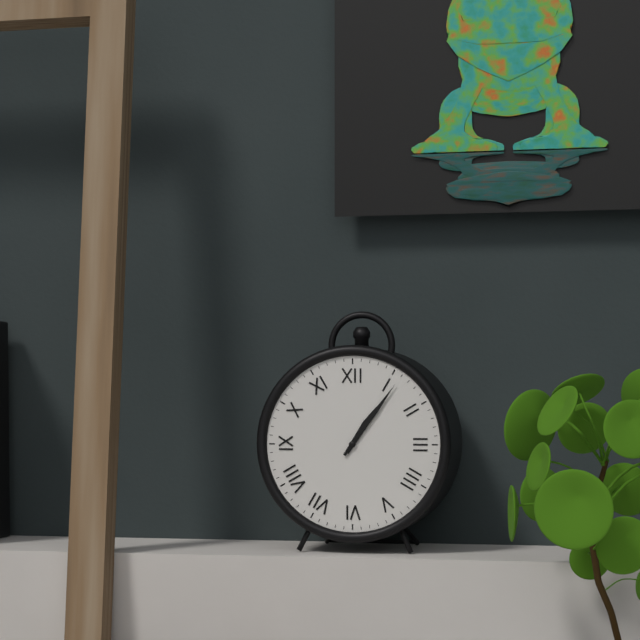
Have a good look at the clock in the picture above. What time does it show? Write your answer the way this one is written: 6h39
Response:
1h06
